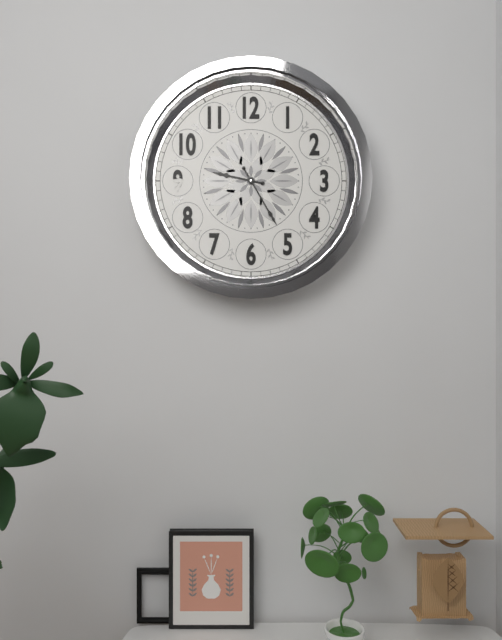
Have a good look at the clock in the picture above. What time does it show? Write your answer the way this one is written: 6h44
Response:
9h25
